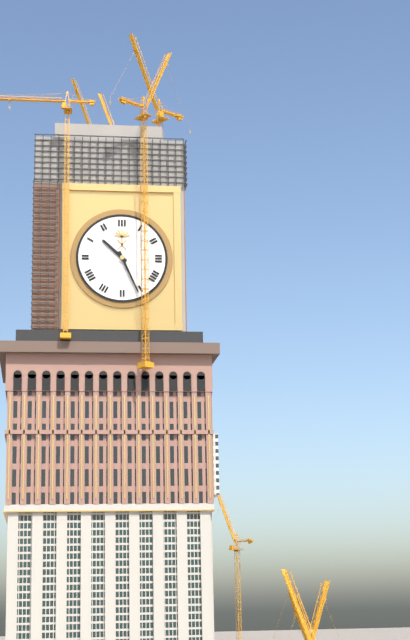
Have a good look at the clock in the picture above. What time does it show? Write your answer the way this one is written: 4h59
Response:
10h26
